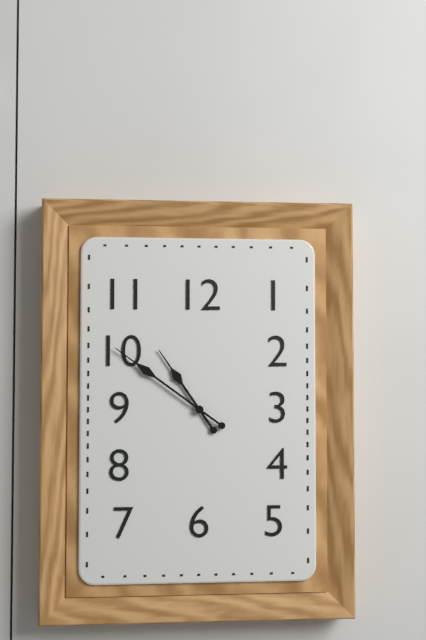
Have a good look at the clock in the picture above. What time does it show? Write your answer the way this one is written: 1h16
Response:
10h51
